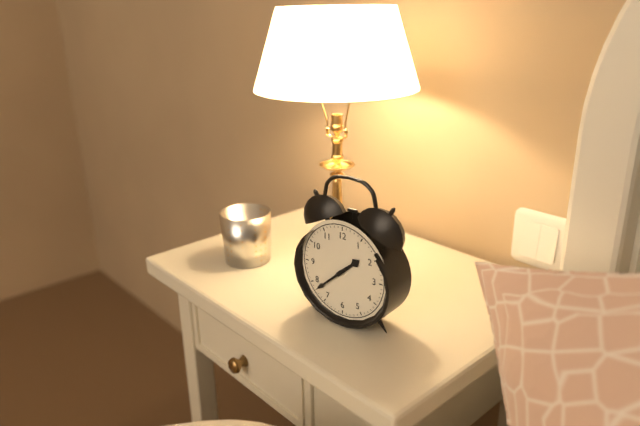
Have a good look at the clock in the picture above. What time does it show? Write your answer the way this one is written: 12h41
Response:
1h38
